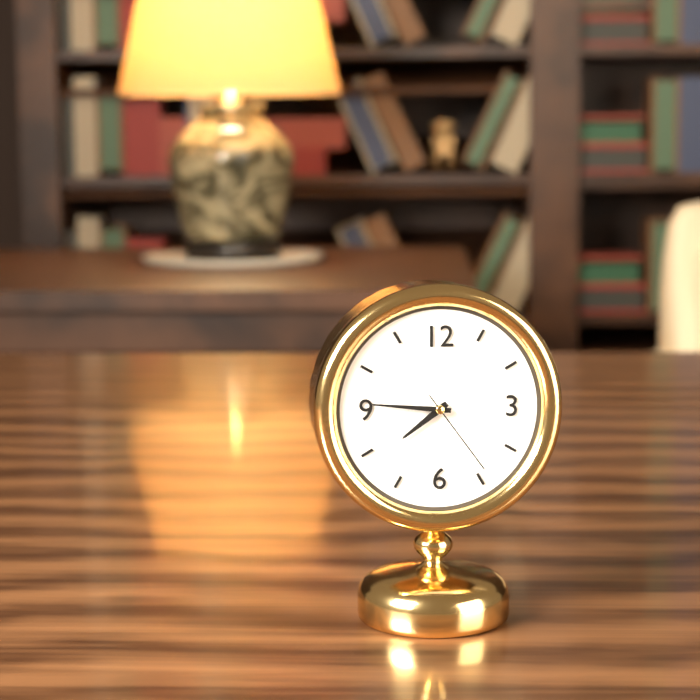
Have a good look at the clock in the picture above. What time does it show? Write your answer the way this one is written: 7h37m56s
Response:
7h46m24s
